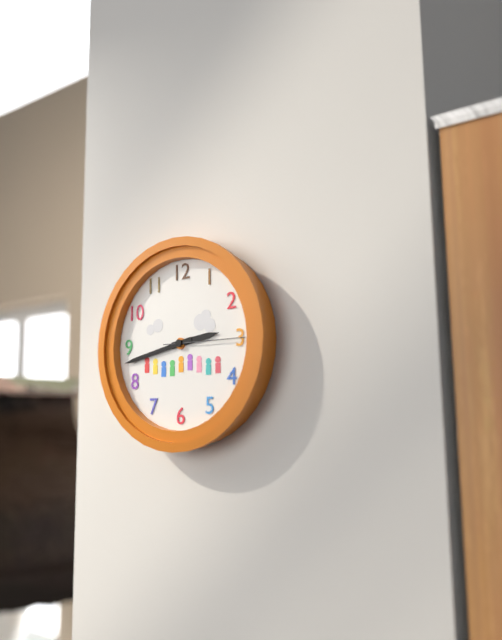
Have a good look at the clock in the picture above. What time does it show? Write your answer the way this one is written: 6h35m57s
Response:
2h43m15s
